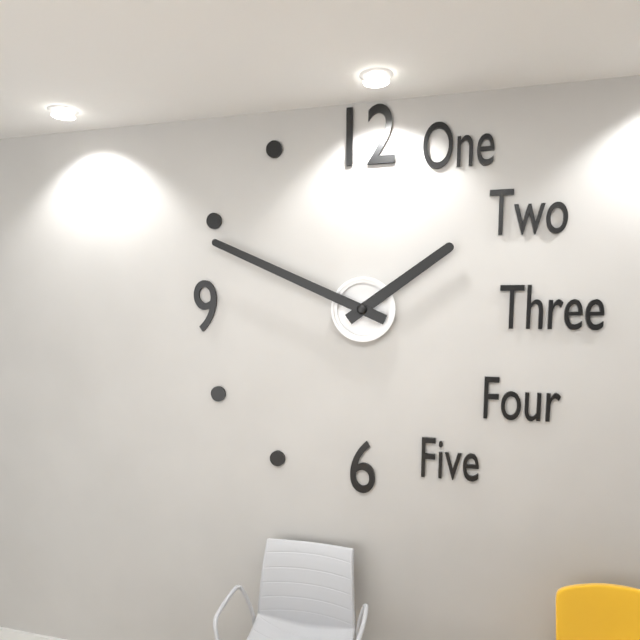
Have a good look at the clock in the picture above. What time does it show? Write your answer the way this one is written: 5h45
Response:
1h49
